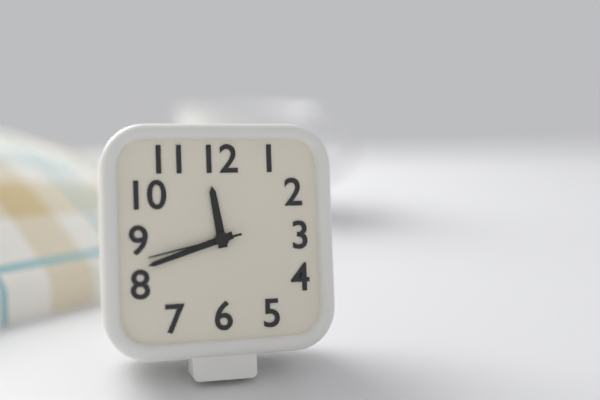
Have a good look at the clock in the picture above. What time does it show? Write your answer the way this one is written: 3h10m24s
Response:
11h42m43s
